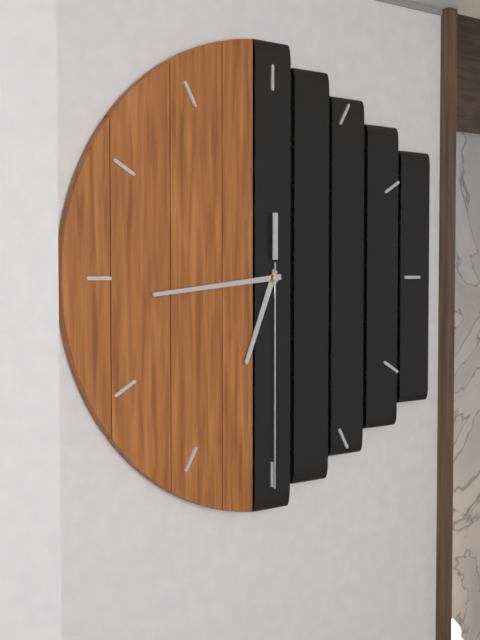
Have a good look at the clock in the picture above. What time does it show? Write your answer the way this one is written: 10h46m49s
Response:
6h44m30s
